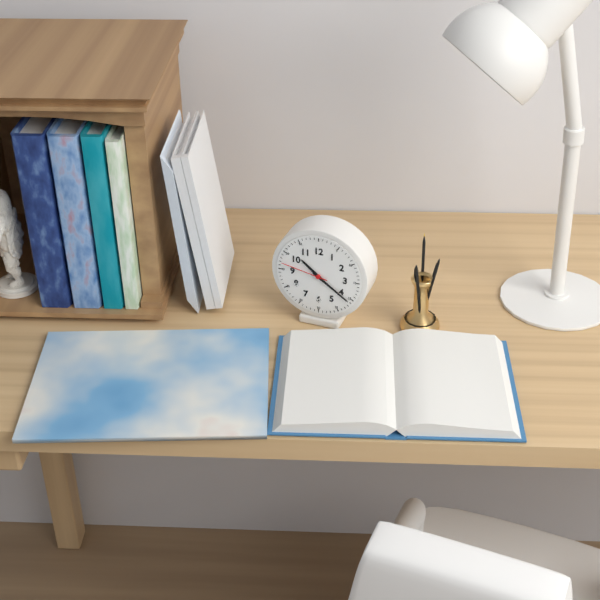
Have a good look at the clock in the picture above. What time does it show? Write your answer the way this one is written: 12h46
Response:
10h21
